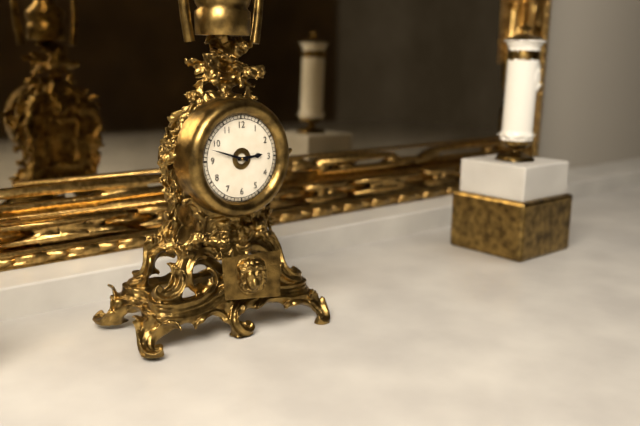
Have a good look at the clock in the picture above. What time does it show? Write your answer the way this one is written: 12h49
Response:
2h48
